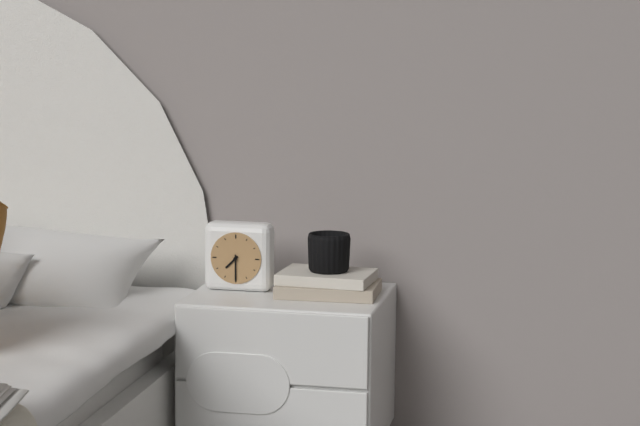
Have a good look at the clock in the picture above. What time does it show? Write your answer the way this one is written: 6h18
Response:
7h30
